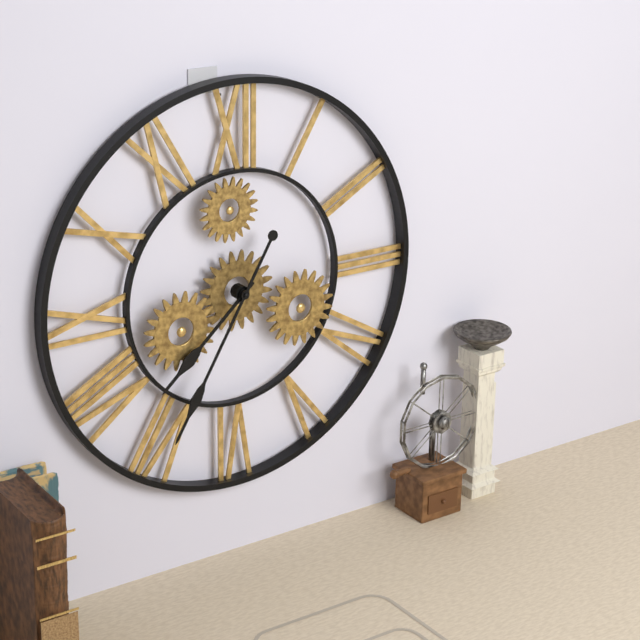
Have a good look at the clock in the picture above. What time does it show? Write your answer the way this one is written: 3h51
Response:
7h35
